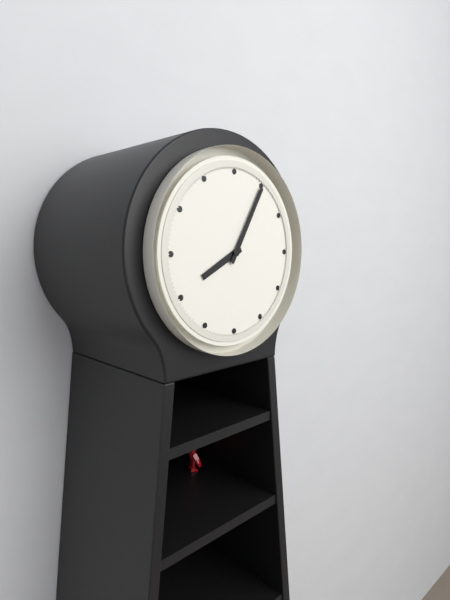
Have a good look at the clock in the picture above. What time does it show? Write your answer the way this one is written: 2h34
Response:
8h05
